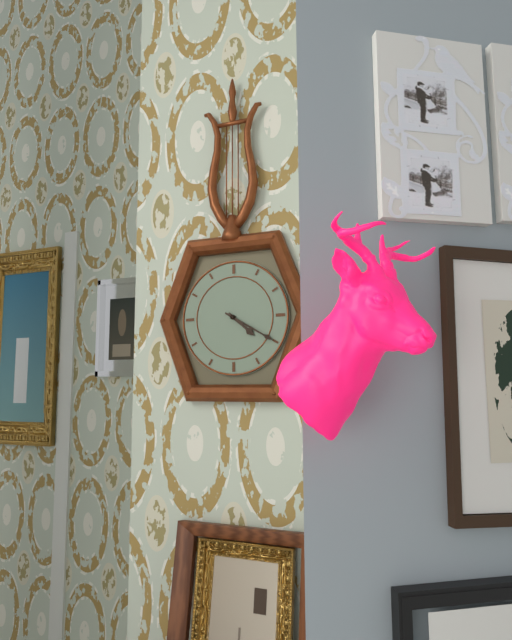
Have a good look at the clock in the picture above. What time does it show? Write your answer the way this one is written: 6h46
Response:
4h20
